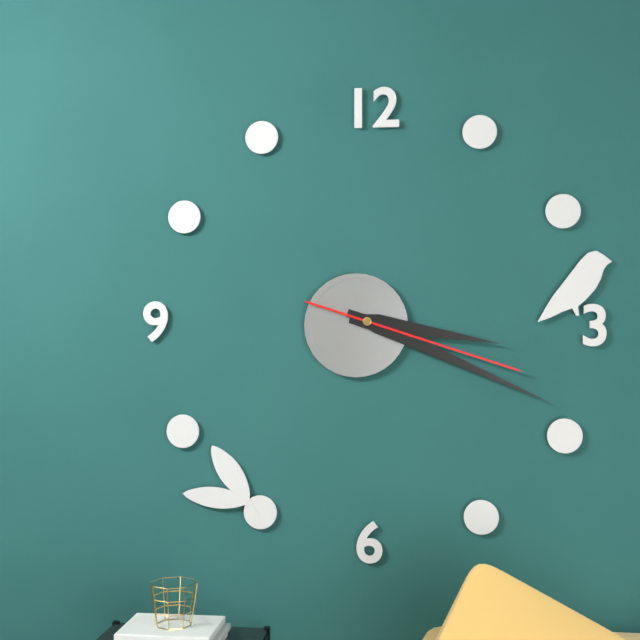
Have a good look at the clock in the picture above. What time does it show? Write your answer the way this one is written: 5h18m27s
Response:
3h19m18s
